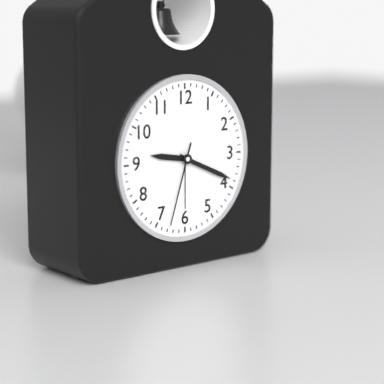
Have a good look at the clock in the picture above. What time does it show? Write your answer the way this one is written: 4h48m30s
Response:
9h19m33s
